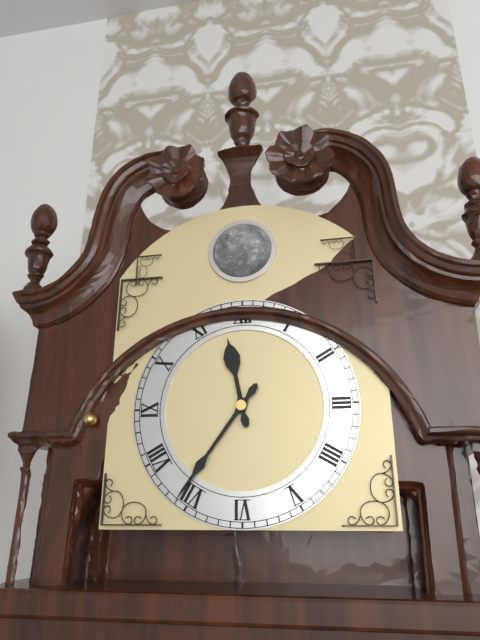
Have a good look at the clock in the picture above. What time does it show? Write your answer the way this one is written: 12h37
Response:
11h36
